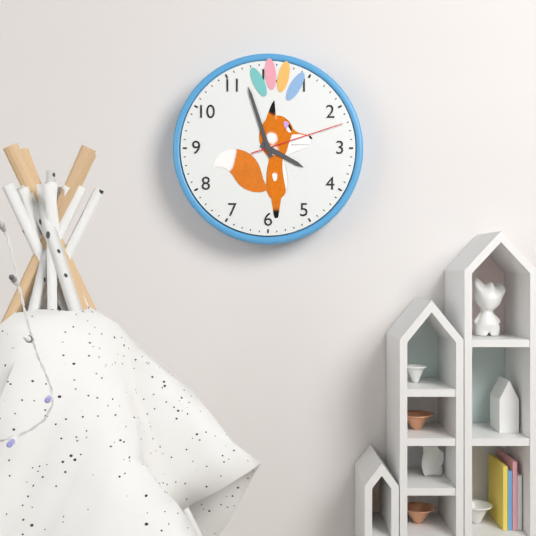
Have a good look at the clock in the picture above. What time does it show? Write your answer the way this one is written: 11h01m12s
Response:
3h57m12s
